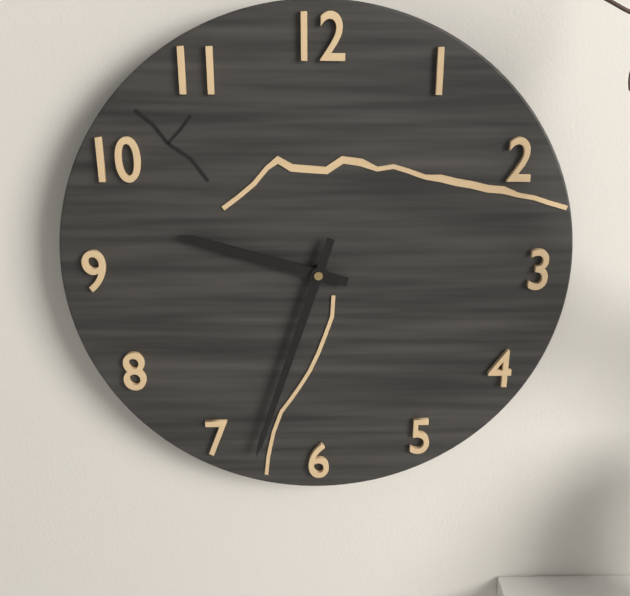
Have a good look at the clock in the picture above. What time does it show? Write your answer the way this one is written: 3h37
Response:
9h33
